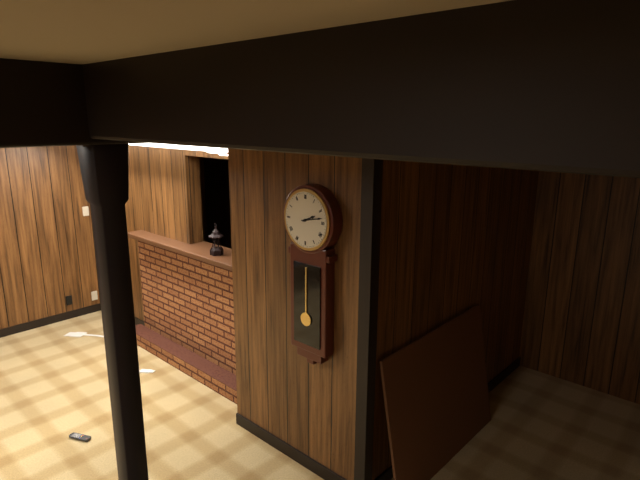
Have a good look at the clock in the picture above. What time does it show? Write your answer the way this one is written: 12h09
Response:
2h13
